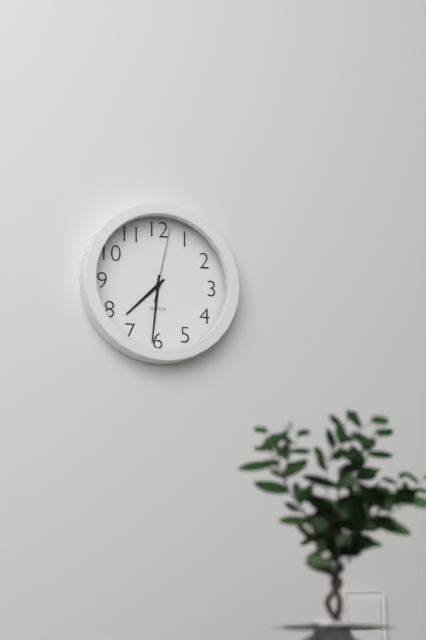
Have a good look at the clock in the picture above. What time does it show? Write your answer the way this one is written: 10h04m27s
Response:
7h31m02s
